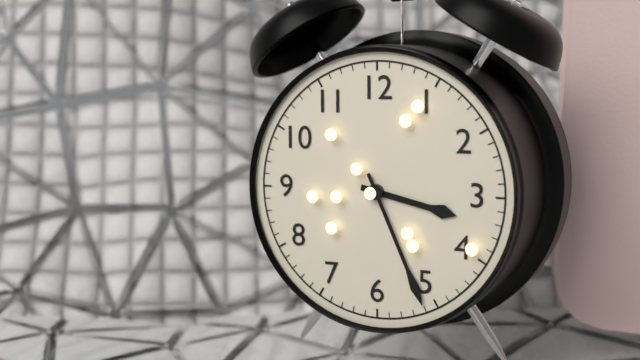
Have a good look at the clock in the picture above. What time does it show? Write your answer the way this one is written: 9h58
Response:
3h26
